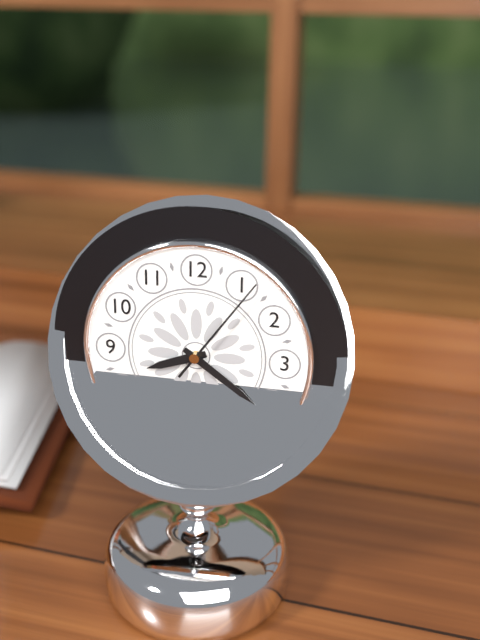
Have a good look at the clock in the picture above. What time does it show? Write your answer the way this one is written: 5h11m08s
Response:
8h21m06s
